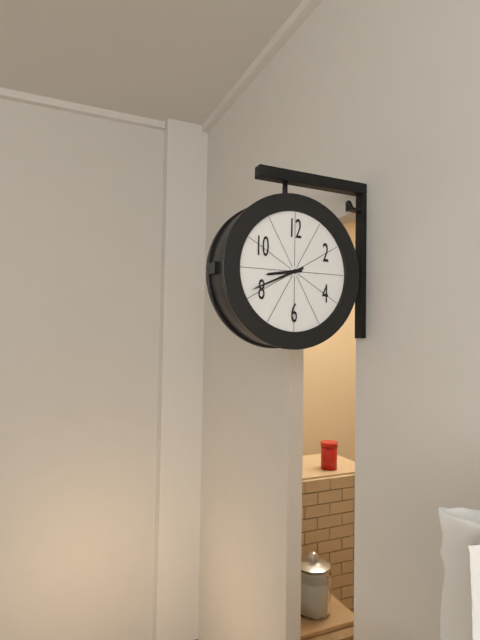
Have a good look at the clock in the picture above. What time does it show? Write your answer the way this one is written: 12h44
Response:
8h41
